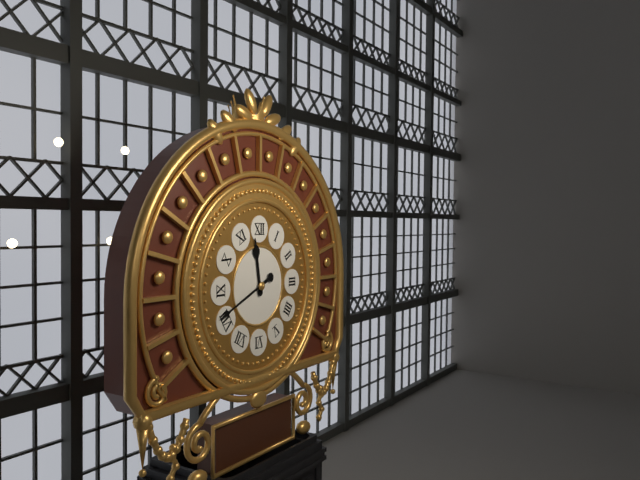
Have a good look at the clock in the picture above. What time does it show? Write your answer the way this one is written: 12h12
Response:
11h41
